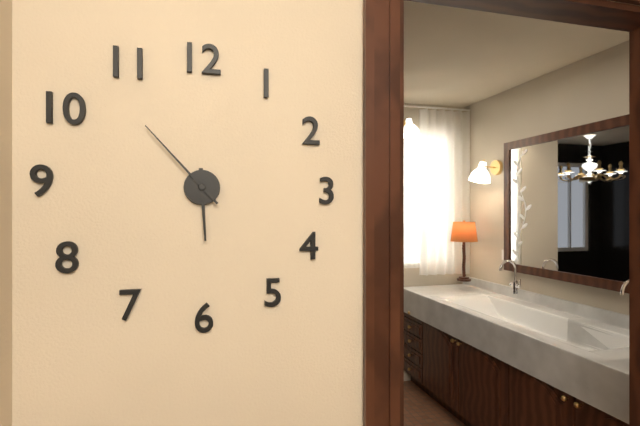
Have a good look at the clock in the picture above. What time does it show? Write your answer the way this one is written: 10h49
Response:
5h53
